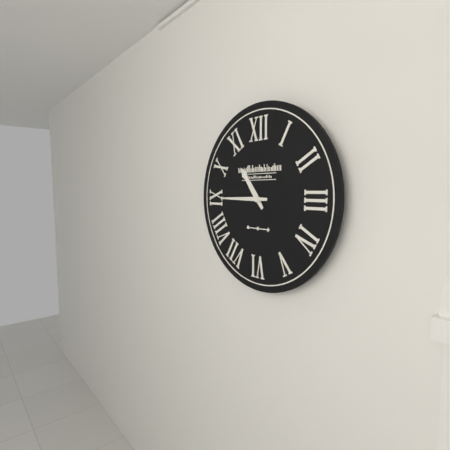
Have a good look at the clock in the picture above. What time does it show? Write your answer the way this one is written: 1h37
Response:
10h45
